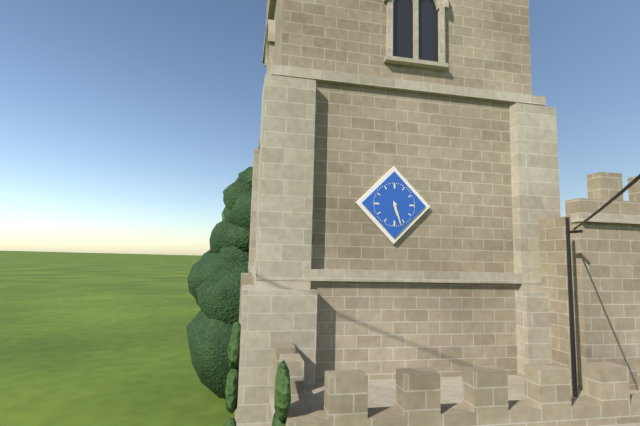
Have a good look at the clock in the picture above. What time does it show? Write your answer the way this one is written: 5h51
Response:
5h27
